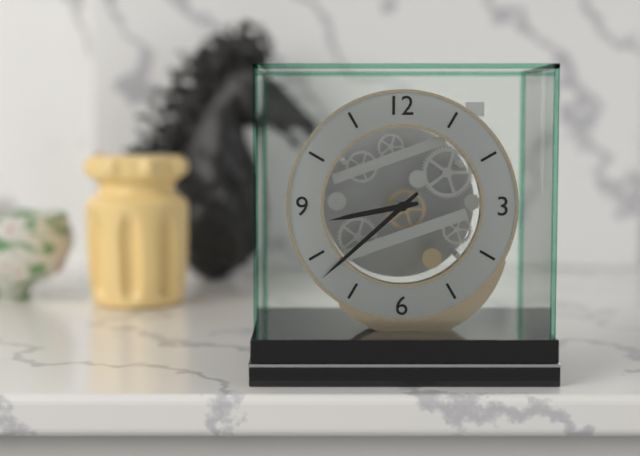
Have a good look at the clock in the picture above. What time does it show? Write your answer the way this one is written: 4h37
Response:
8h38
